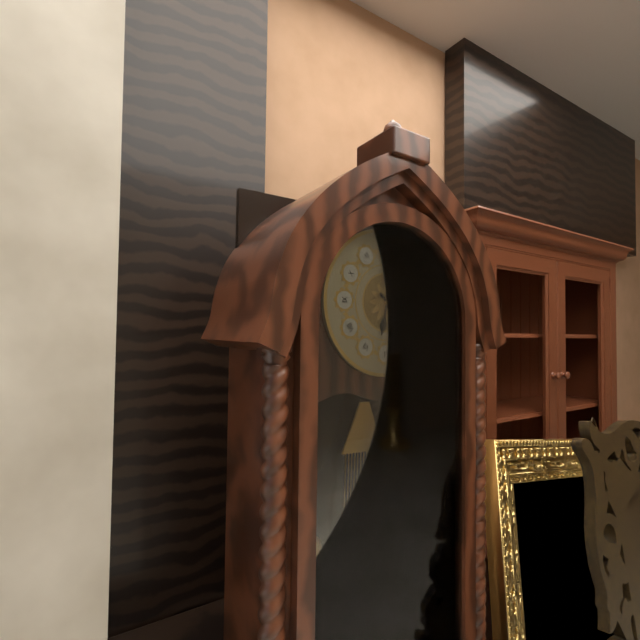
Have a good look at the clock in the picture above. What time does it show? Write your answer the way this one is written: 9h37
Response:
6h22
